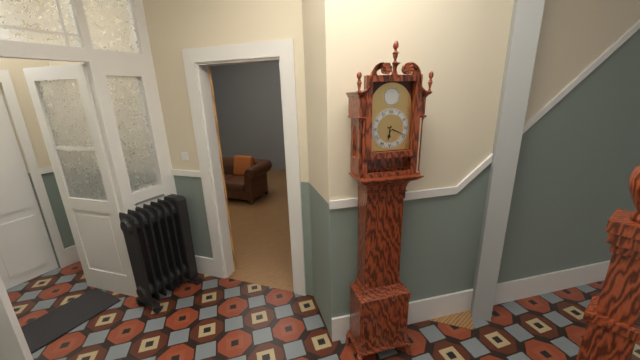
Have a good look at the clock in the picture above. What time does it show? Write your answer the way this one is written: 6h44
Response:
6h19
